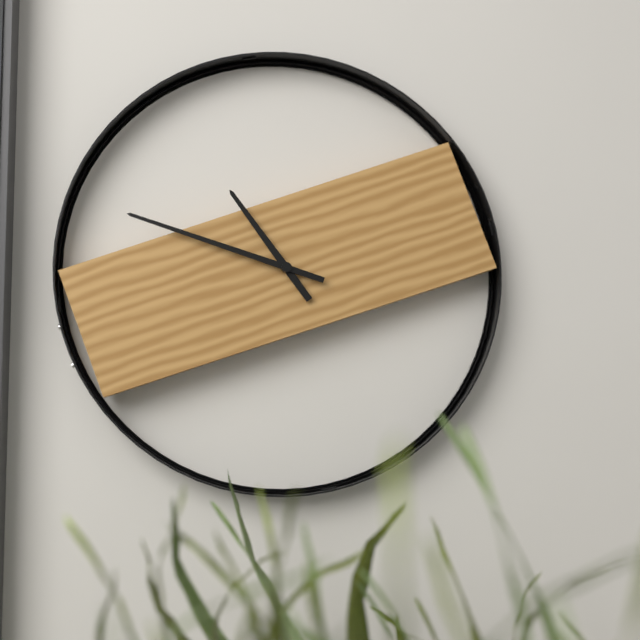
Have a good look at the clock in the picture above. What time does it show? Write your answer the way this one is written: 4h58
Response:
10h48
